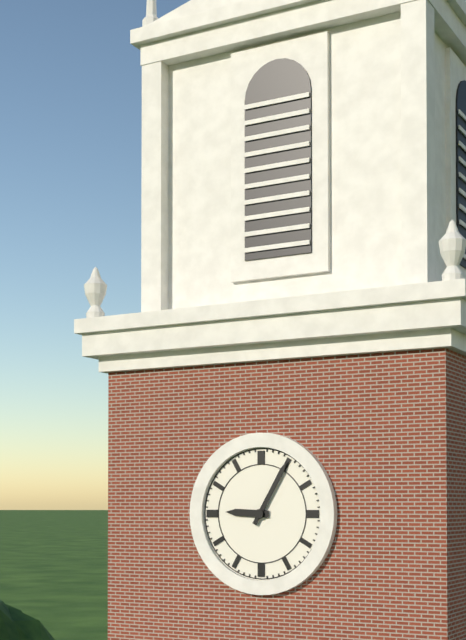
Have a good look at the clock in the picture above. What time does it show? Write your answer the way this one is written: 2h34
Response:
9h05
